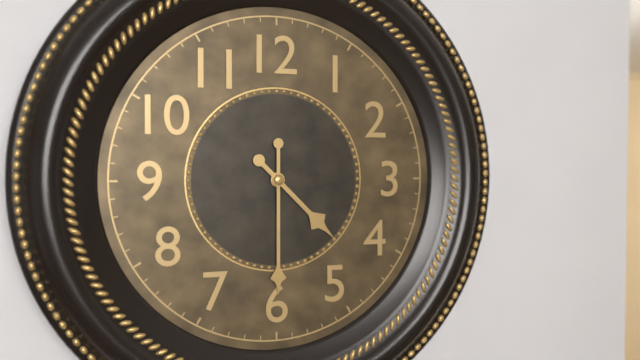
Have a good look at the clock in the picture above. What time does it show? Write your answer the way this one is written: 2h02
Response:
4h30
